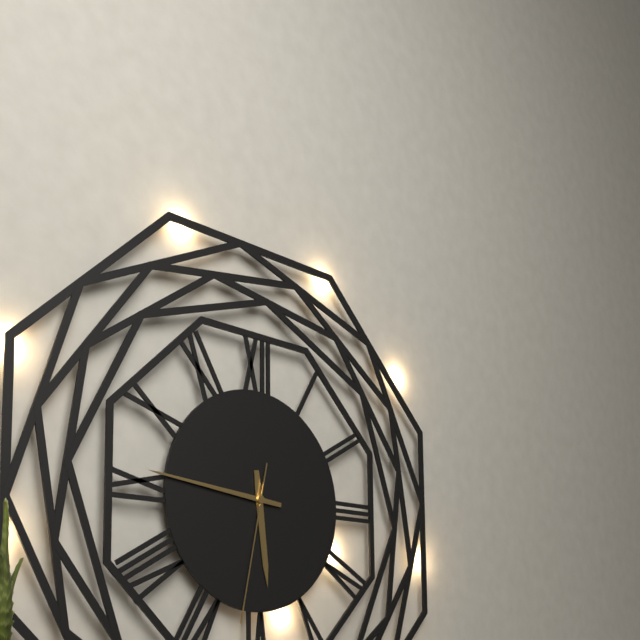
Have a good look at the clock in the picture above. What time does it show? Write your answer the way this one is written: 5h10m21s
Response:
5h46m32s
